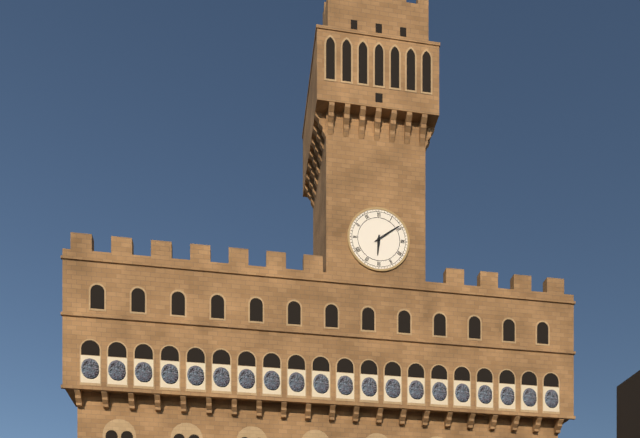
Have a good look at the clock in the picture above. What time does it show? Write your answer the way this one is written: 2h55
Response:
6h09
